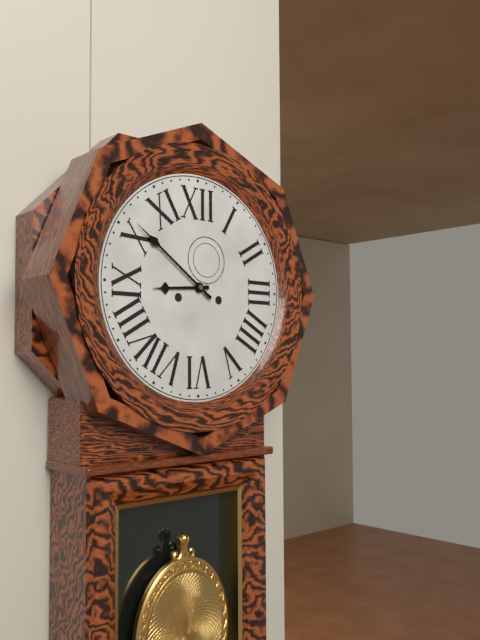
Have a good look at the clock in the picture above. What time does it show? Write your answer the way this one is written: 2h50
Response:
8h51
